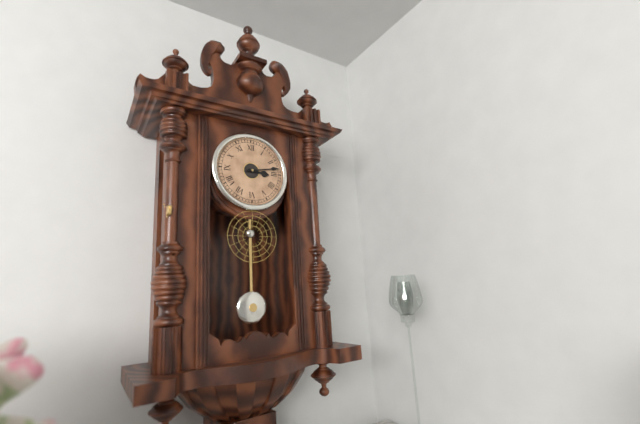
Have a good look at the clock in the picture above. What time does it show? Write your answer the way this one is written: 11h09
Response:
3h13
